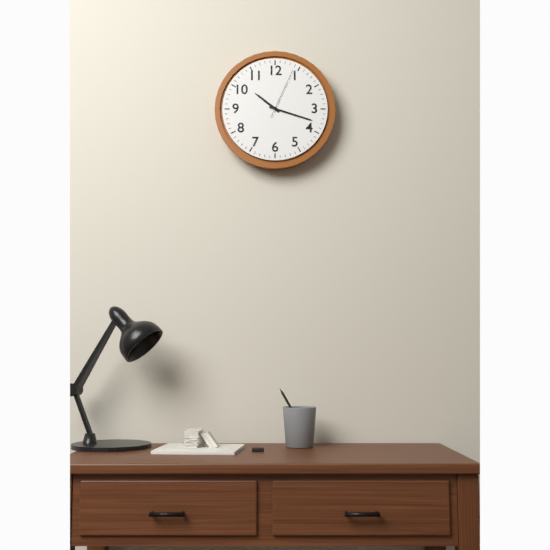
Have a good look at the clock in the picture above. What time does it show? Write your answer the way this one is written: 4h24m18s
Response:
10h18m04s
